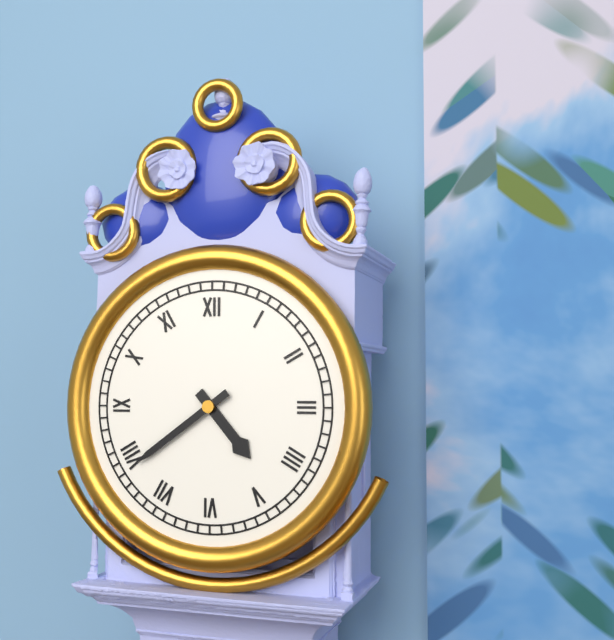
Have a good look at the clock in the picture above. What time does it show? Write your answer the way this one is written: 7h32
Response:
4h39
